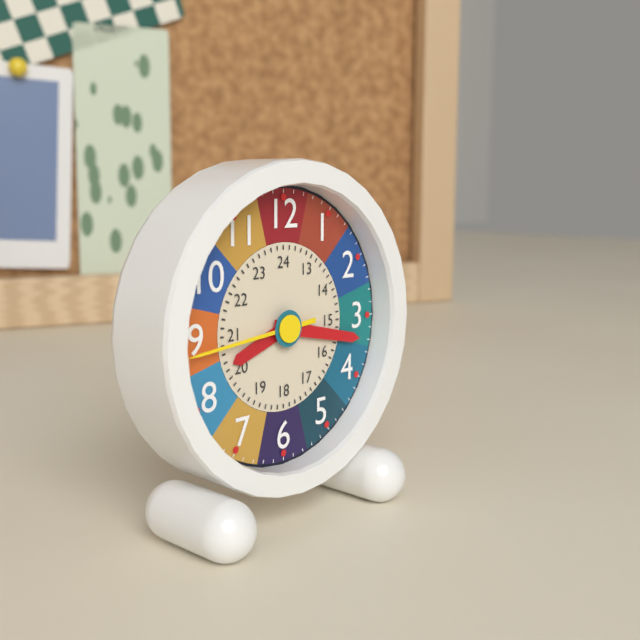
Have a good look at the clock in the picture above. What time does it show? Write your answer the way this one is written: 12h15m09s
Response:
8h17m44s
